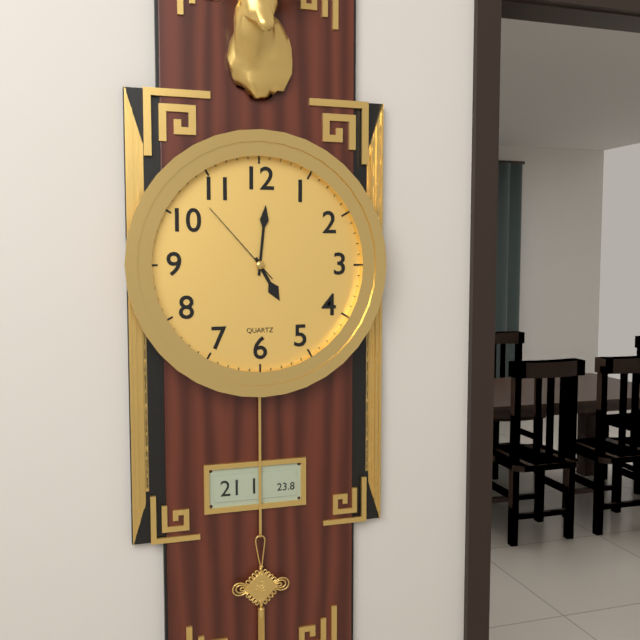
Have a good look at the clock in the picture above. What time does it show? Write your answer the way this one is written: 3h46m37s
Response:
5h01m53s
